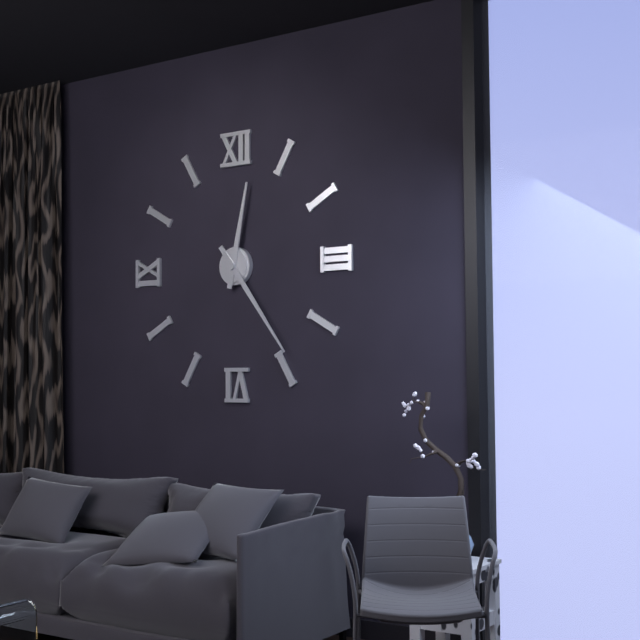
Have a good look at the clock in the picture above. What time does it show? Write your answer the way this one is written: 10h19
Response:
12h24
